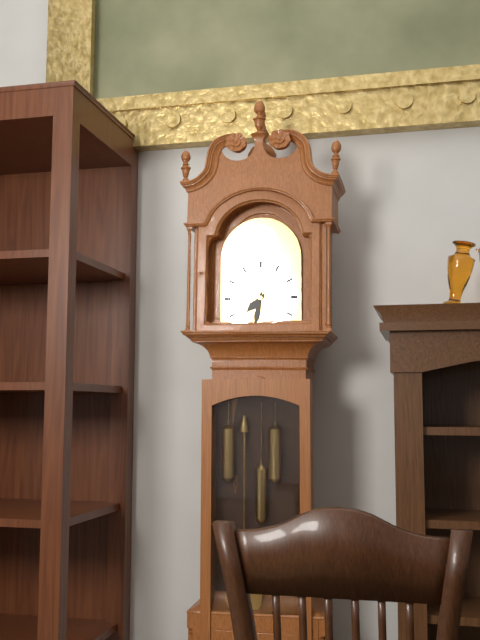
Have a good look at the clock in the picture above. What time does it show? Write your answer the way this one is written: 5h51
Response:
7h32
